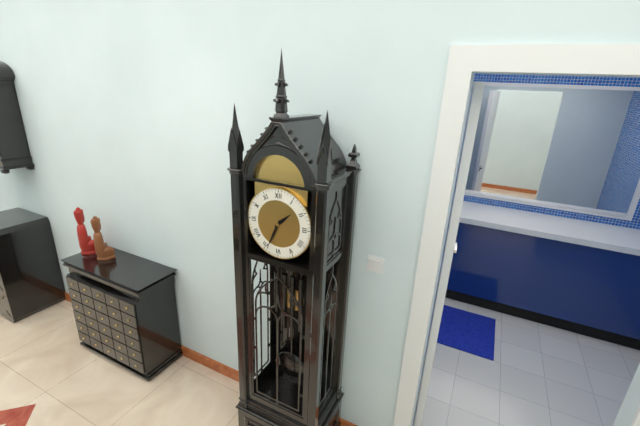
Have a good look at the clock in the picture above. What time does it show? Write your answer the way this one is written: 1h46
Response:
1h34
